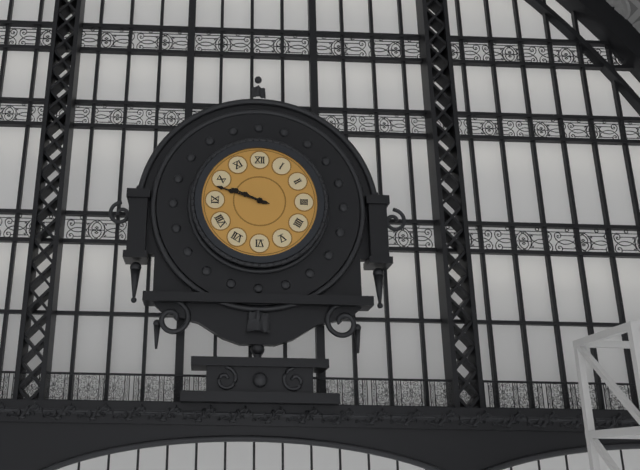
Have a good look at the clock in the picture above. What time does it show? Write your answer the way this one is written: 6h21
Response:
9h48
